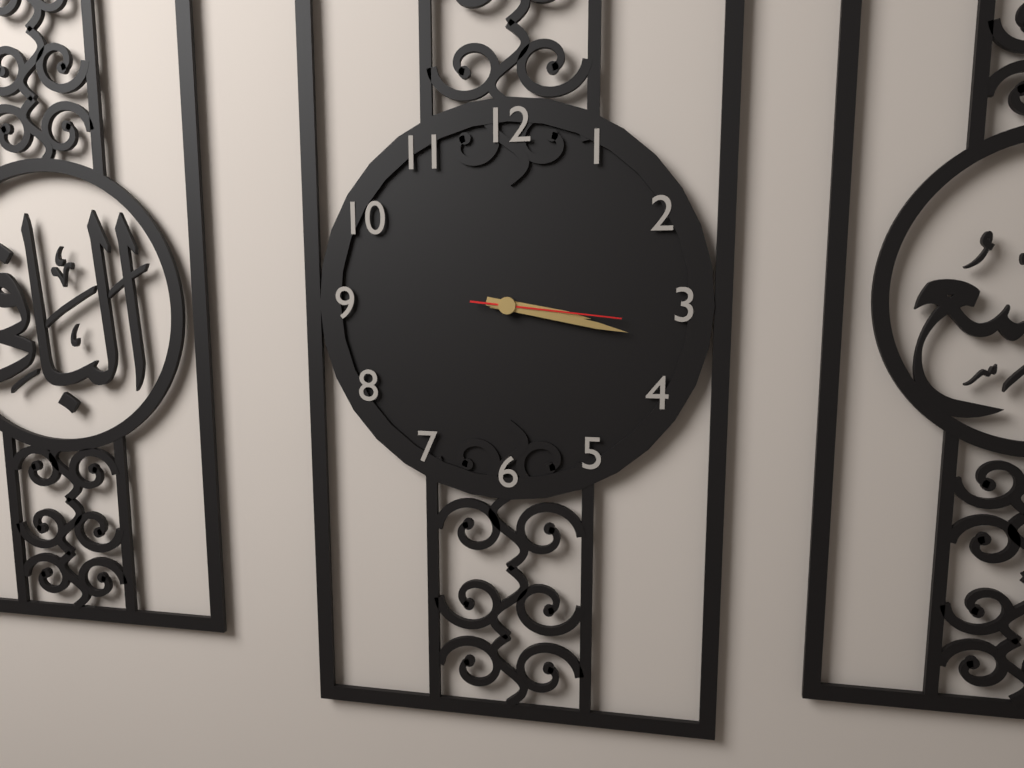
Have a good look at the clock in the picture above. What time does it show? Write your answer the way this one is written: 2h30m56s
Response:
3h17m16s
